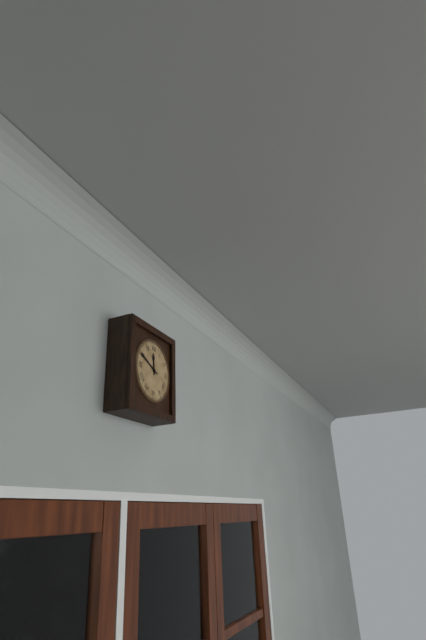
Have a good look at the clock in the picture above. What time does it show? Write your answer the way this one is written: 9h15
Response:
11h49
